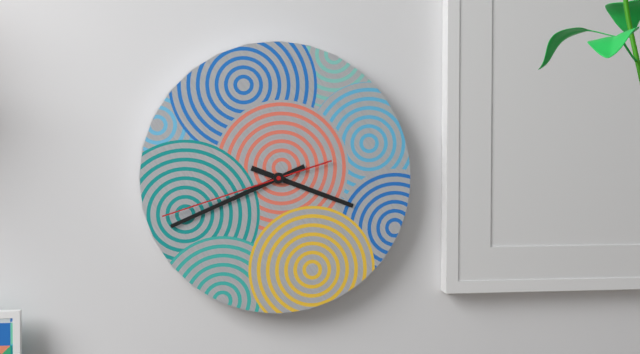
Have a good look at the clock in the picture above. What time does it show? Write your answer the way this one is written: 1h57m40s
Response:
3h41m42s
